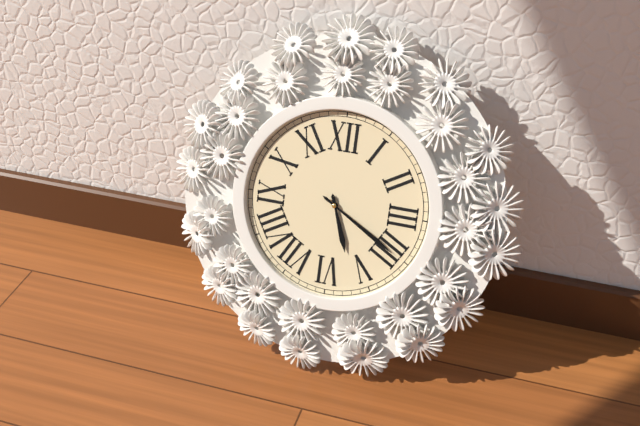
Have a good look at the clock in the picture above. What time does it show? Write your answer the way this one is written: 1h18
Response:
5h20
